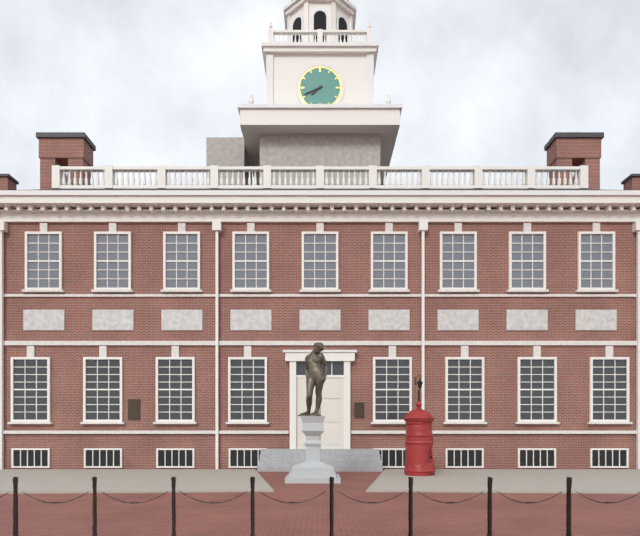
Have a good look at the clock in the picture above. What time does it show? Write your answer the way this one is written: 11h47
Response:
7h41
